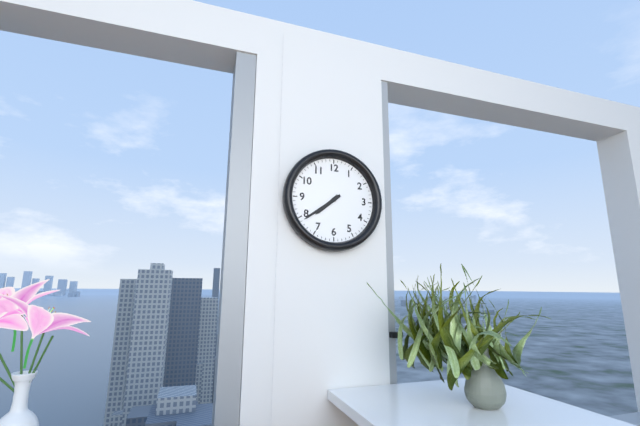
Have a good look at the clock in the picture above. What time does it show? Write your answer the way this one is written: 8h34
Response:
7h39
